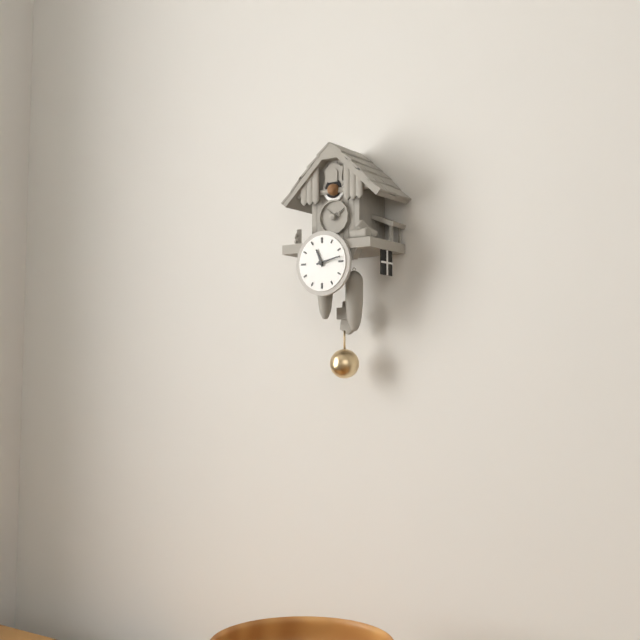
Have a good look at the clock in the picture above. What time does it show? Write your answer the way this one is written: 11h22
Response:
11h13
